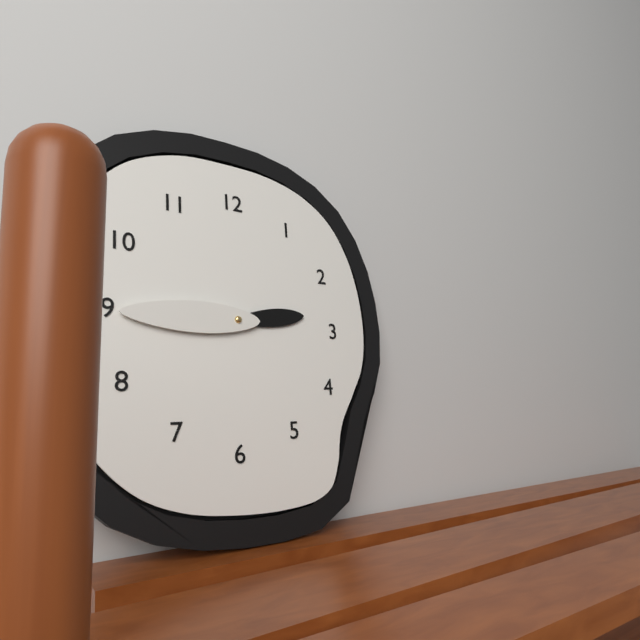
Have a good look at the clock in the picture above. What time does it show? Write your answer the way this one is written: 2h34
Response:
2h45
